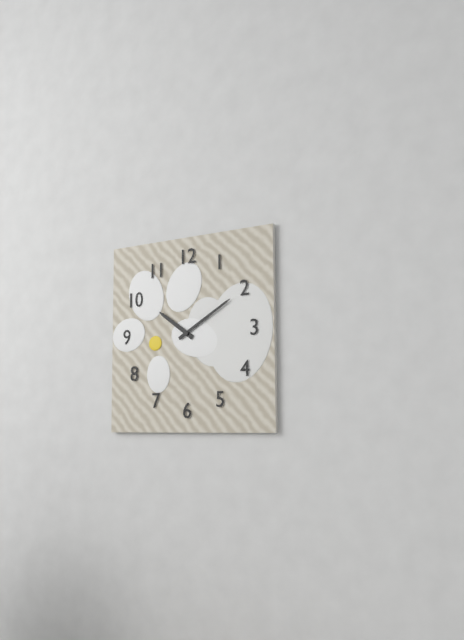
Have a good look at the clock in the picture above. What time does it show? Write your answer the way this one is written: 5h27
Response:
10h10
